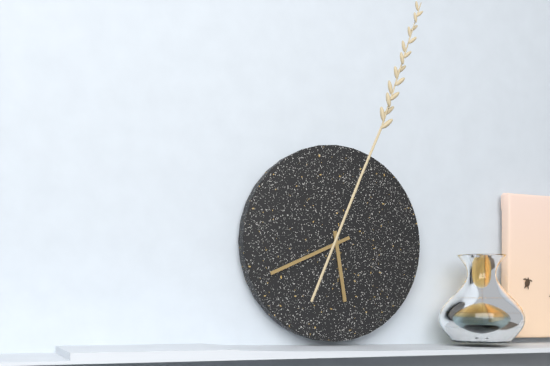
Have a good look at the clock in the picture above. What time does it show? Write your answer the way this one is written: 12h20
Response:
5h41
